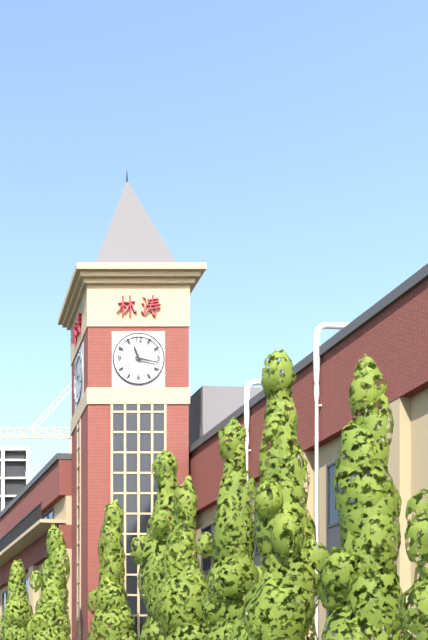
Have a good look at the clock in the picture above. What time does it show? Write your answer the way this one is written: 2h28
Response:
11h17
